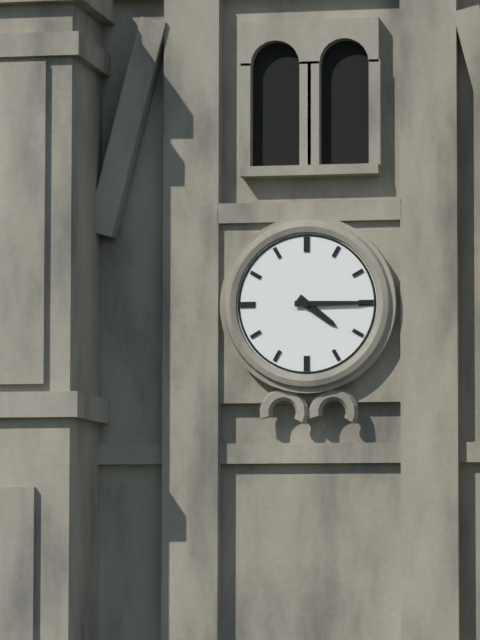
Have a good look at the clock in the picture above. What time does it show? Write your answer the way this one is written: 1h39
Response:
4h15
